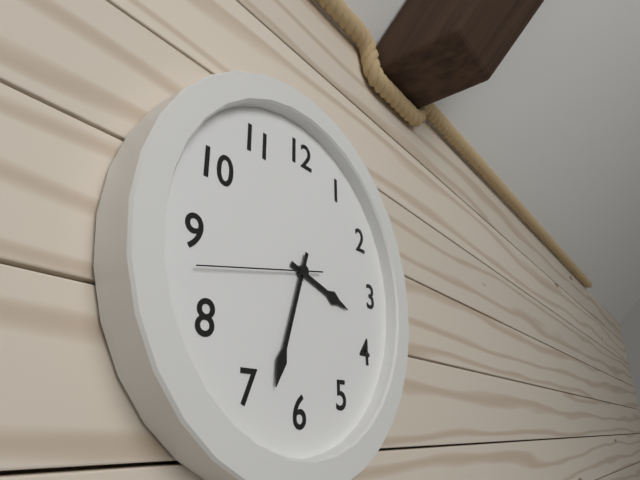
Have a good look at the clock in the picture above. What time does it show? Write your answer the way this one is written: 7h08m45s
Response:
3h33m43s
